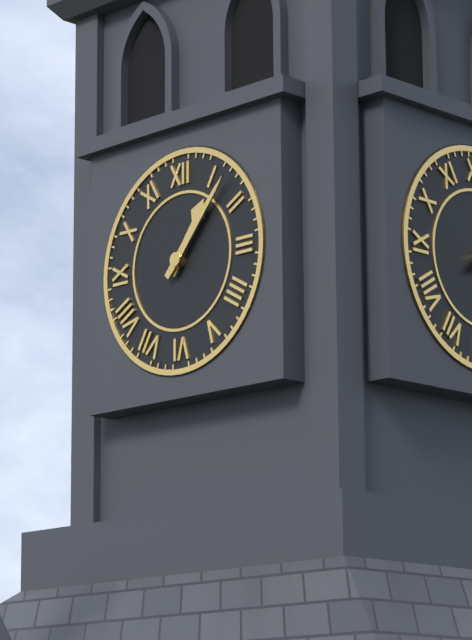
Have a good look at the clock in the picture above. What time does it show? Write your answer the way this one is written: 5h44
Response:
1h07
